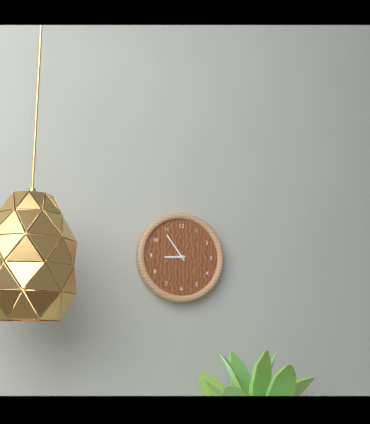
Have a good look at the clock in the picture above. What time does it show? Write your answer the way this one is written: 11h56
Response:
8h54
